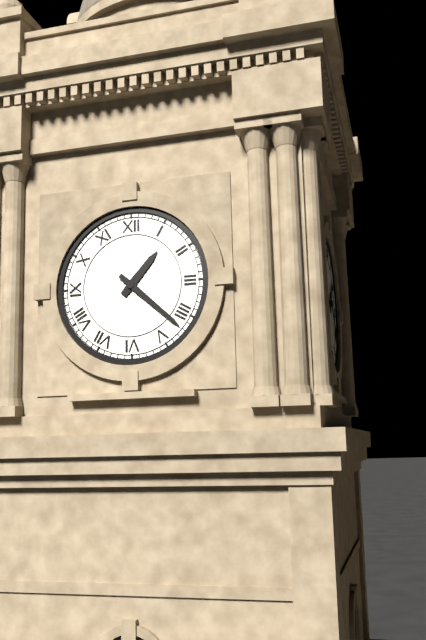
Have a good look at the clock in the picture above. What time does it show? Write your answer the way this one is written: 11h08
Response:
1h22
